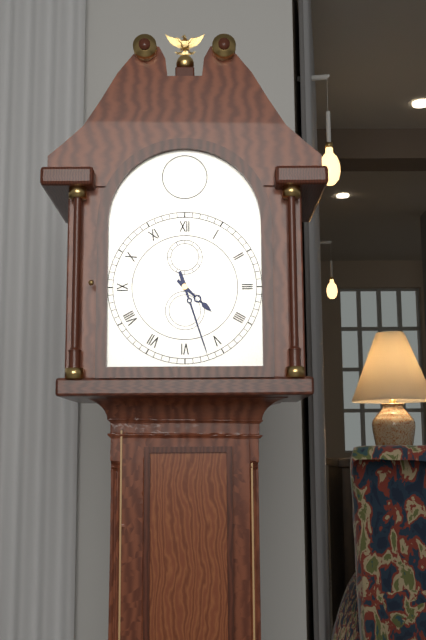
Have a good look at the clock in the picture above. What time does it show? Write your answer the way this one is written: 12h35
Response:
4h27
